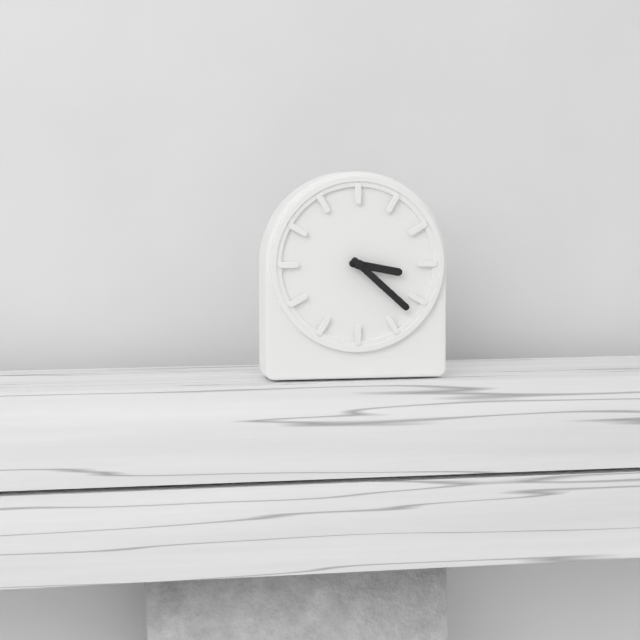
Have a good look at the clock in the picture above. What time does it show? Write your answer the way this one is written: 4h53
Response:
3h22
